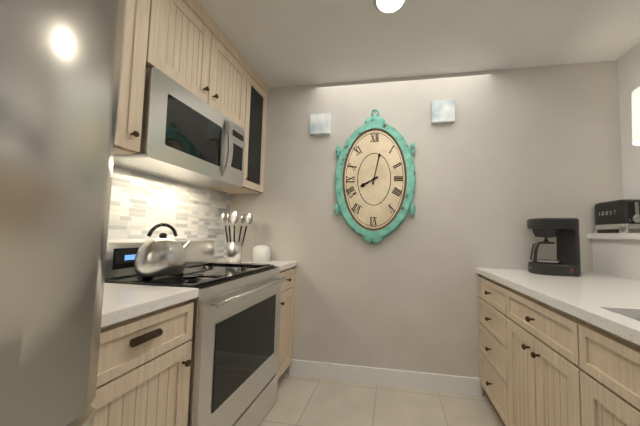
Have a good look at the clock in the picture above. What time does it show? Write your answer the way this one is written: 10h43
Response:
8h02
